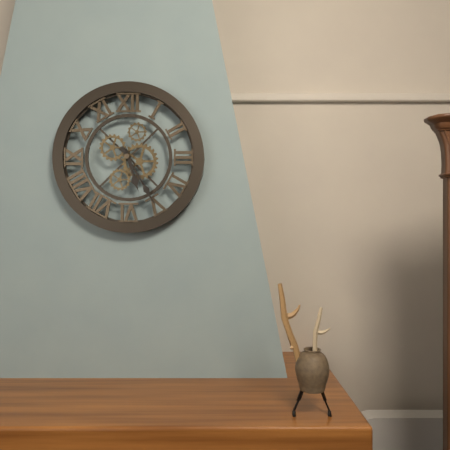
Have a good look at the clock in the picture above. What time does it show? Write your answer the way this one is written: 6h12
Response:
5h25
